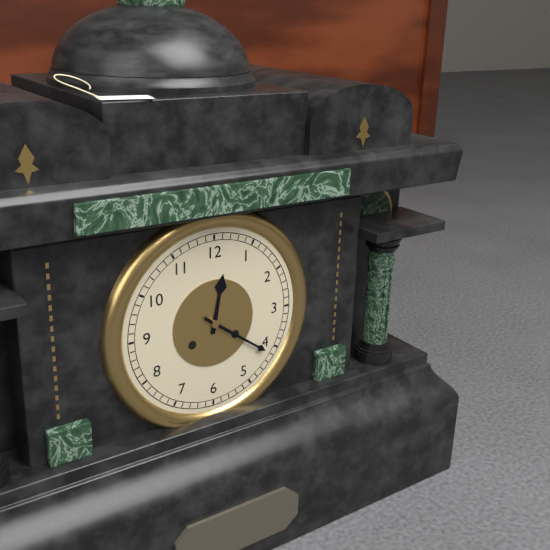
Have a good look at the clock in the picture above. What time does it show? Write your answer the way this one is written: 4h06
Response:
12h21
